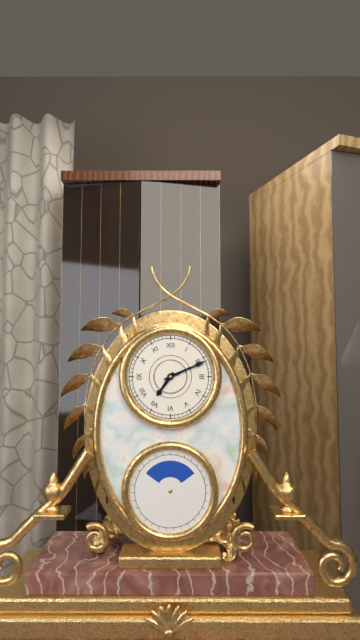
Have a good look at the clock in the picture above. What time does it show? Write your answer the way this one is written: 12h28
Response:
7h11
